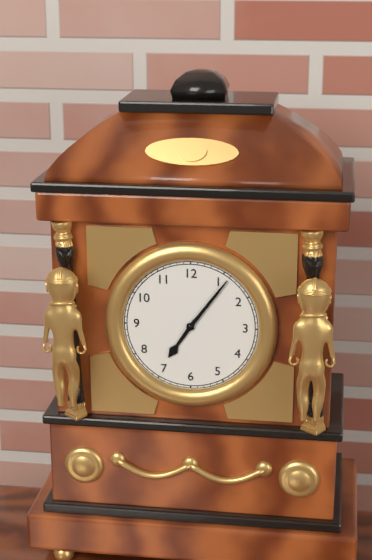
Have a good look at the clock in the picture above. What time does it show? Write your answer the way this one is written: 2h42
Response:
7h06
